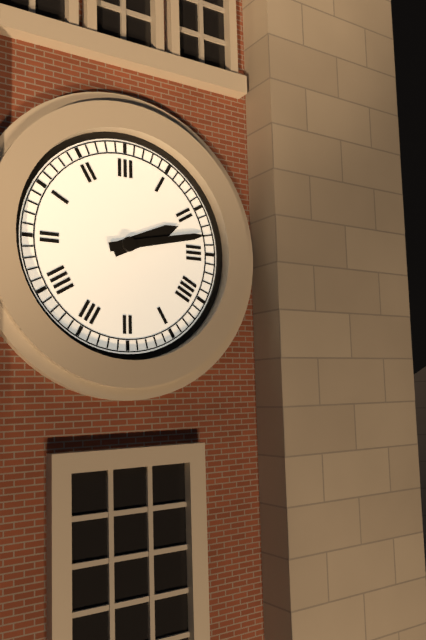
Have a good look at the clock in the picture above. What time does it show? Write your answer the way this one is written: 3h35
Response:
2h13
